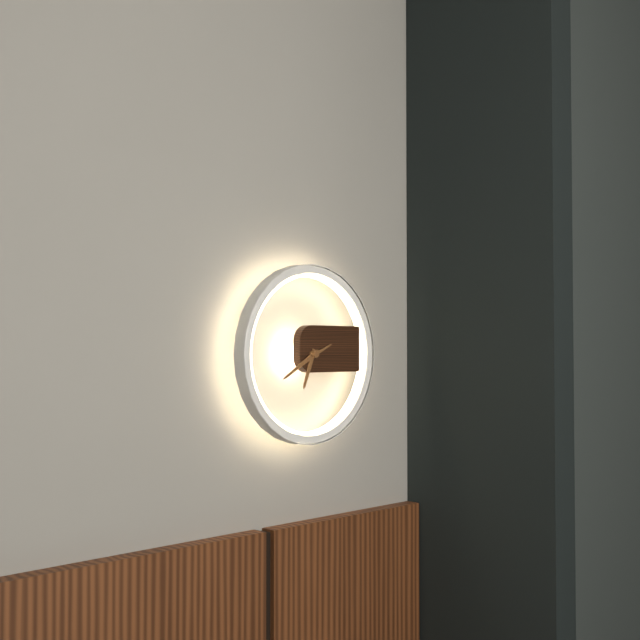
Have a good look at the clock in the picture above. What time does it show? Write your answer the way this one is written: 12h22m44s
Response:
6h40m11s
